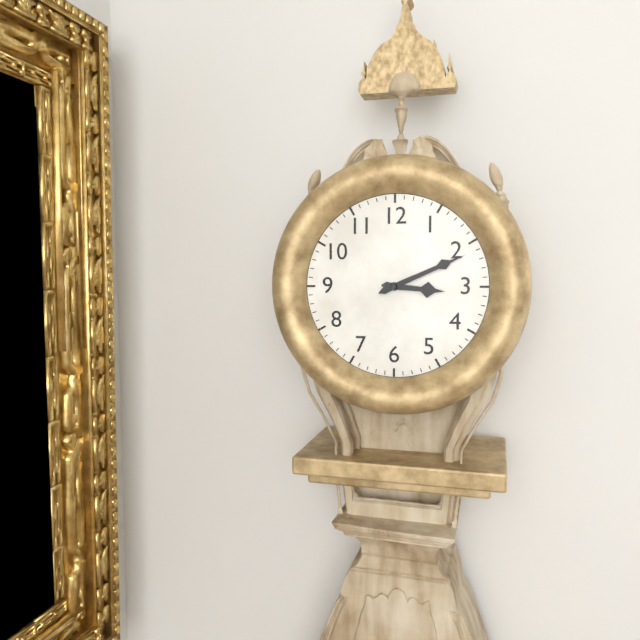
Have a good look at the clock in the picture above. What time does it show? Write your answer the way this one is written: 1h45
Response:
3h11
